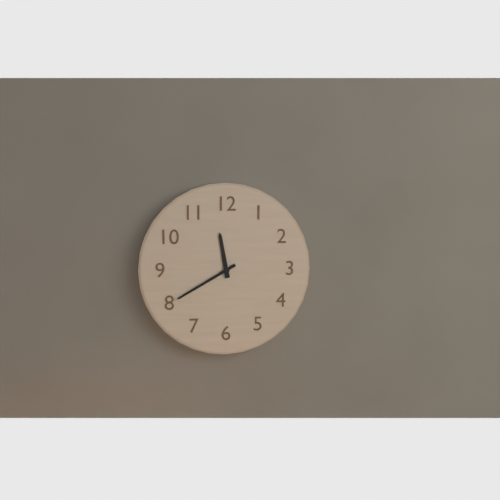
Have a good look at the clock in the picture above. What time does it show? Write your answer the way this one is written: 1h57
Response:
11h40
